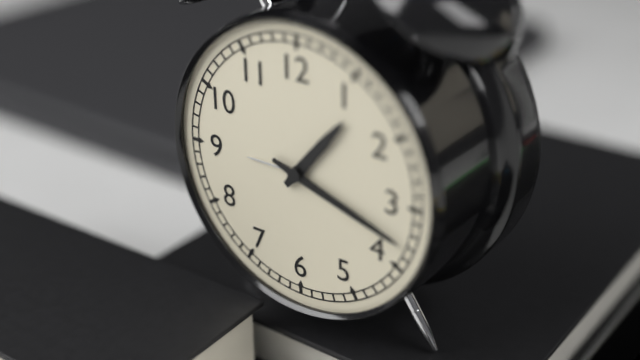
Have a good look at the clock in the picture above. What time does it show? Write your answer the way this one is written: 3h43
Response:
1h18
